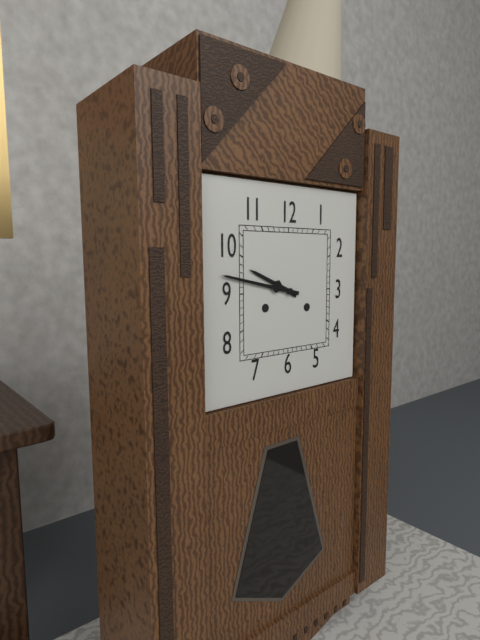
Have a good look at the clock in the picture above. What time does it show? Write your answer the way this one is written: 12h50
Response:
9h47
